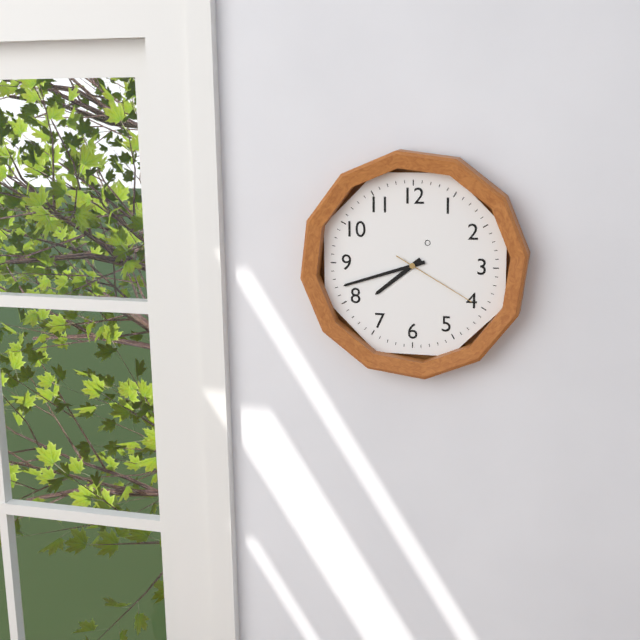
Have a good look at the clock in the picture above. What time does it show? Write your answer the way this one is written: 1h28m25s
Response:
7h42m20s
